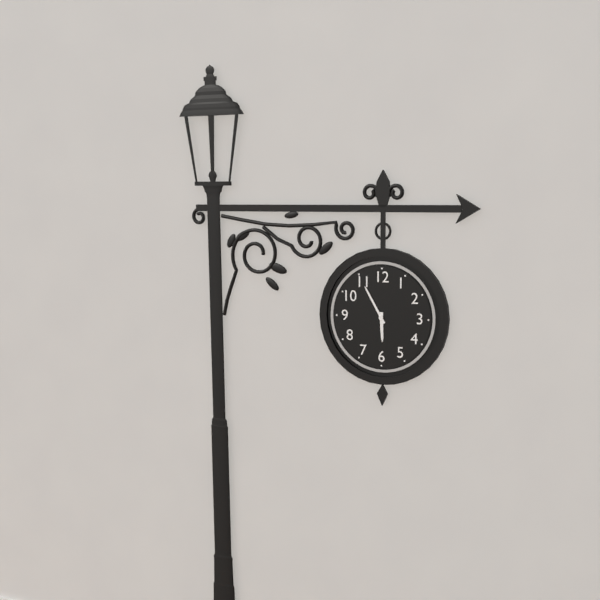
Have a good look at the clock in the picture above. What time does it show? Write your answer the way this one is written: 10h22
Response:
5h55
